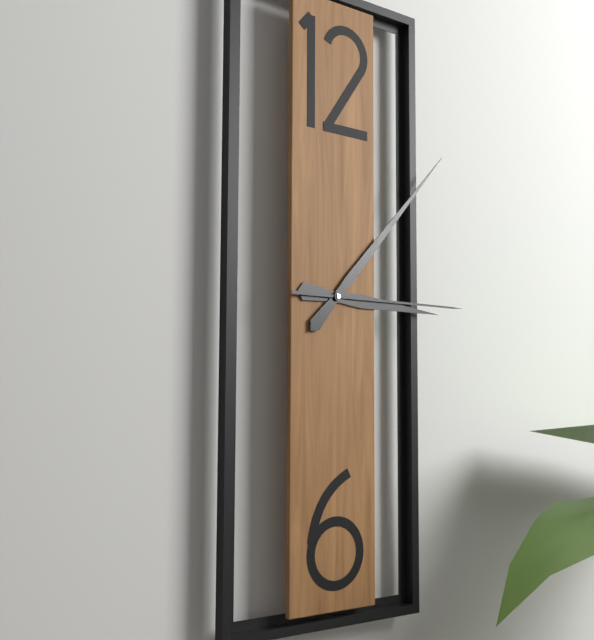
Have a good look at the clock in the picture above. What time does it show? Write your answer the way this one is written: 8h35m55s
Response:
3h07m15s
